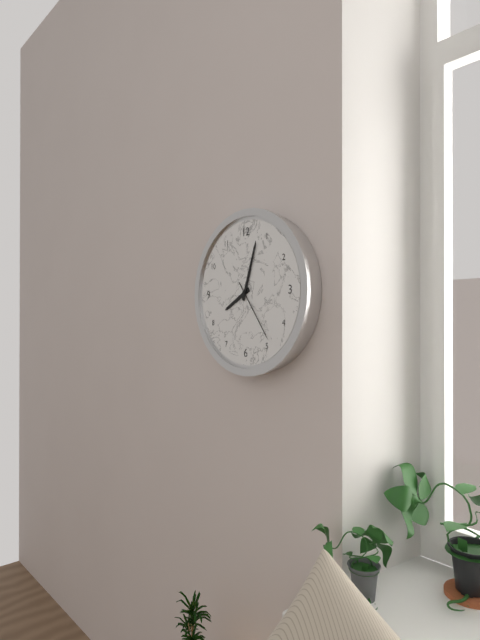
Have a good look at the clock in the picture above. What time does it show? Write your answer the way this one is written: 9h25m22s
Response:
8h03m24s
